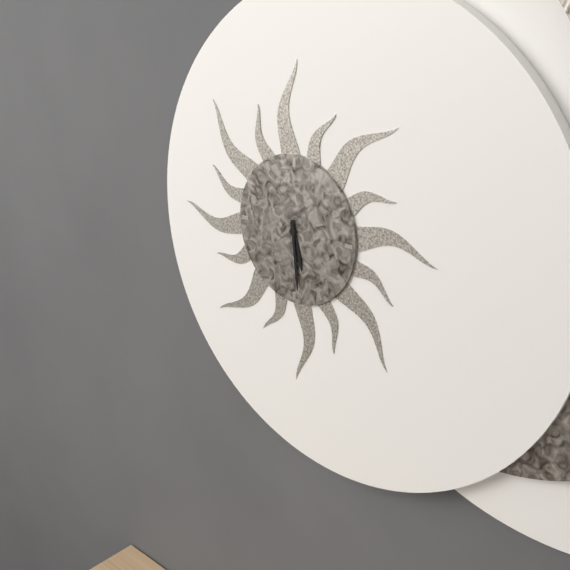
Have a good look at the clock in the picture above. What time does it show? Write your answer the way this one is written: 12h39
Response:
5h29
